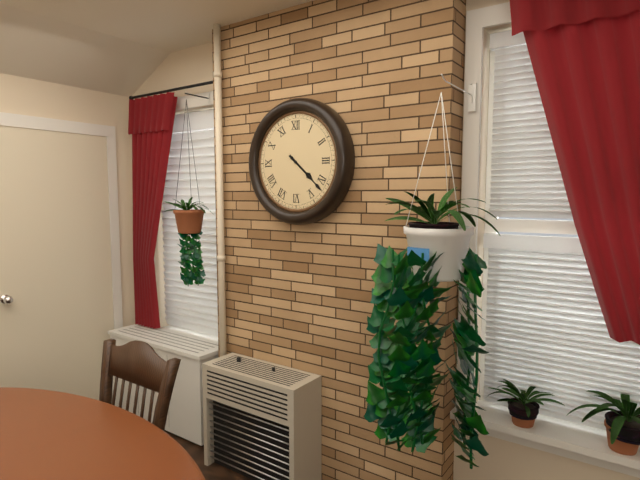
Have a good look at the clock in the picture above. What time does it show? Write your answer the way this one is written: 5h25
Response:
4h22
